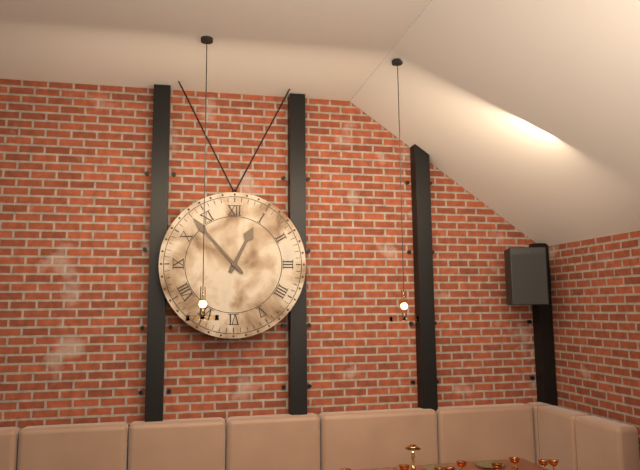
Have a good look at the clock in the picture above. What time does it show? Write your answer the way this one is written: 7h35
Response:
12h53
